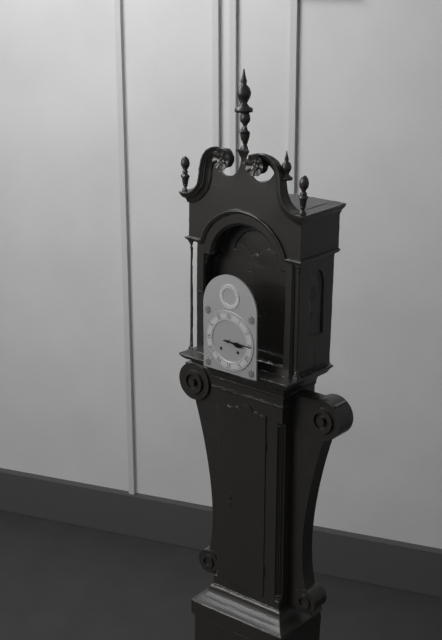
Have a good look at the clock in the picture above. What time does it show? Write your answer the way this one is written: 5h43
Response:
3h15
